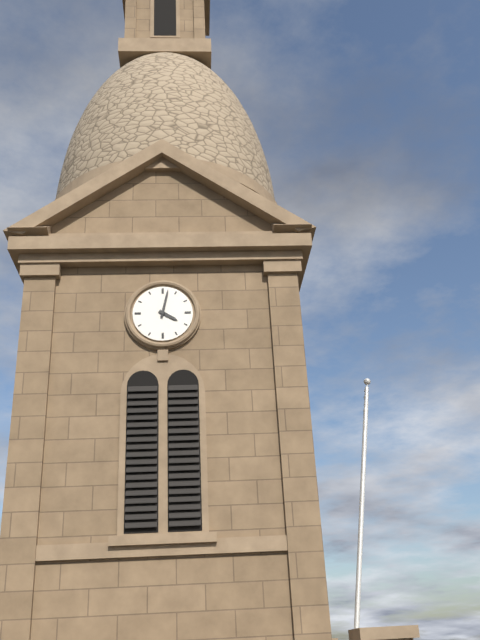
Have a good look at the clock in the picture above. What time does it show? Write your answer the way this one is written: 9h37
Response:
4h02
